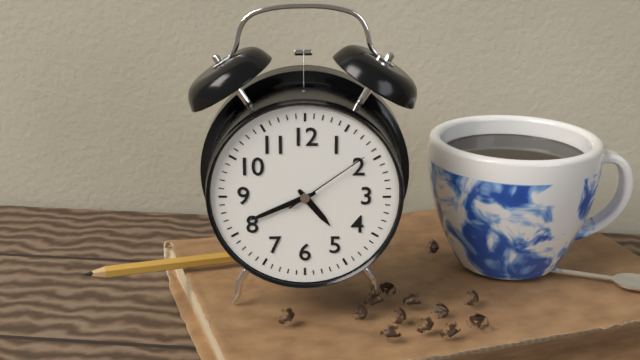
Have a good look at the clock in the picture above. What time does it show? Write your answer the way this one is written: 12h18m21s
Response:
4h41m09s
